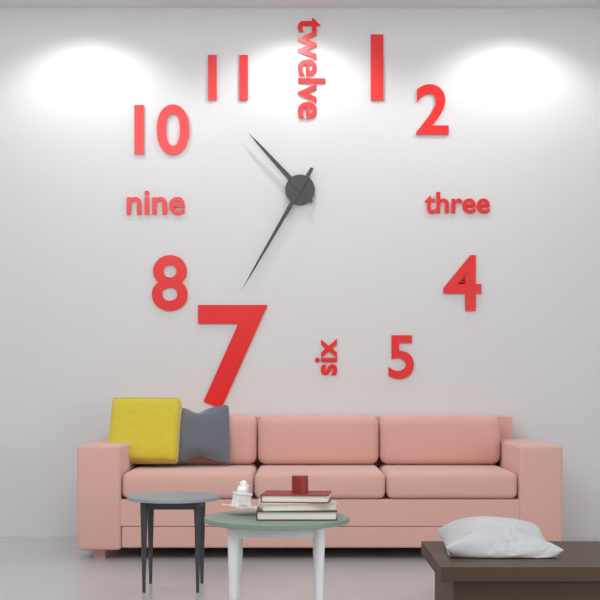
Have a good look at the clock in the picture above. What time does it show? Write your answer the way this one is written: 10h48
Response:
10h35
